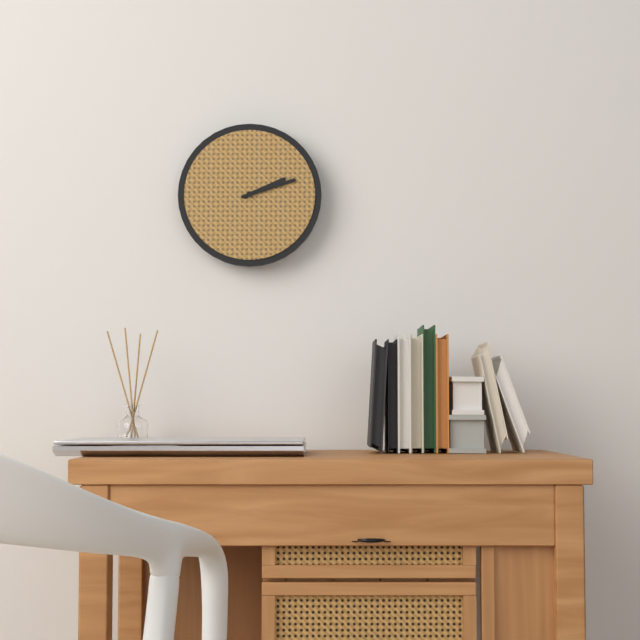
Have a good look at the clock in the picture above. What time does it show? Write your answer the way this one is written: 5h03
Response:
2h12
